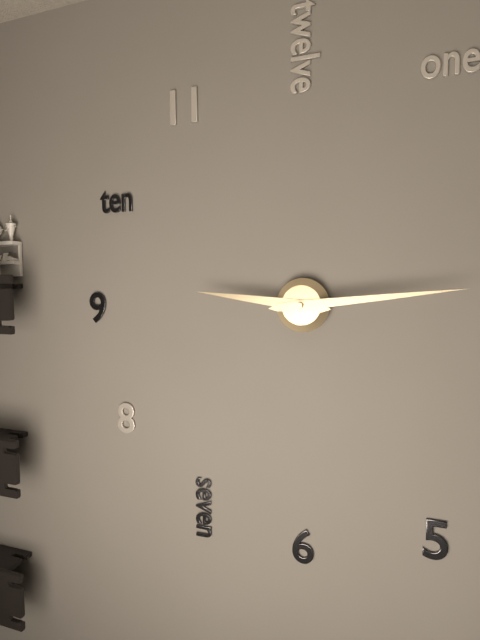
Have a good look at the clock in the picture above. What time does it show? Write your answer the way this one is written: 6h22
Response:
9h14
